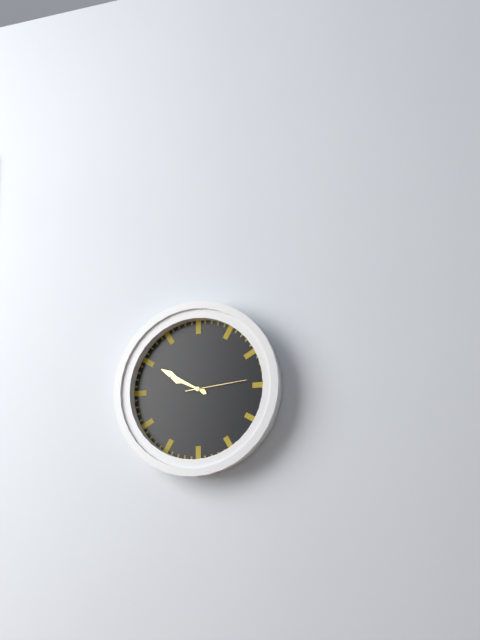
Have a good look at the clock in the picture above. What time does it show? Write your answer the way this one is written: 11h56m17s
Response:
9h50m14s
